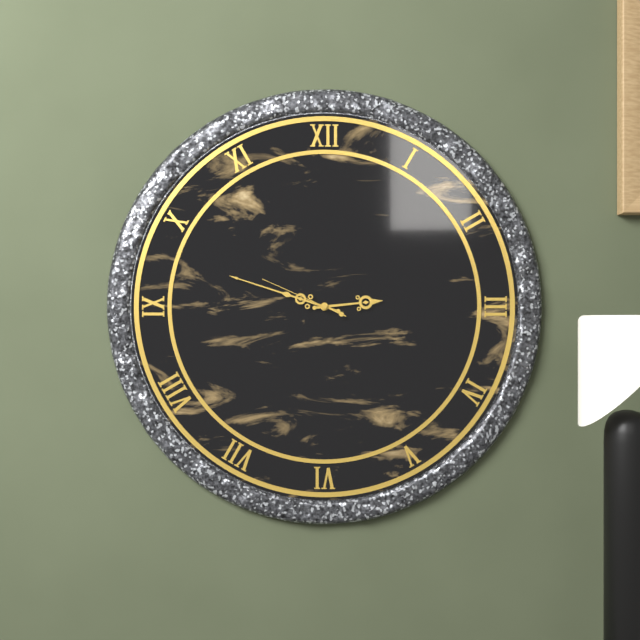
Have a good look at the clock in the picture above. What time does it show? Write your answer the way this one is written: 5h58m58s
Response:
2h48m49s
